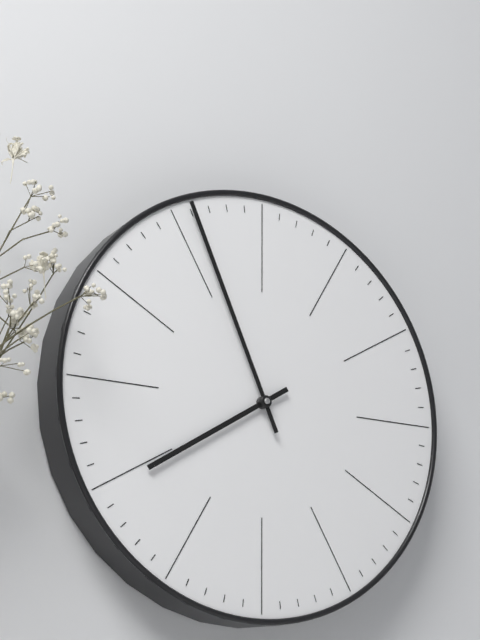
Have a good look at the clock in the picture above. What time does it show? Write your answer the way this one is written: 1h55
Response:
7h56
